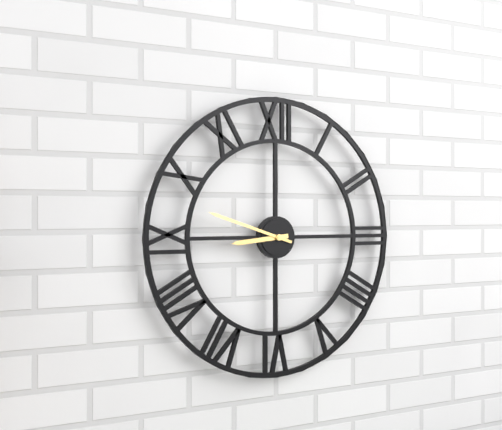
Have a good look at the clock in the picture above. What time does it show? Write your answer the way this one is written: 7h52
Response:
8h48
